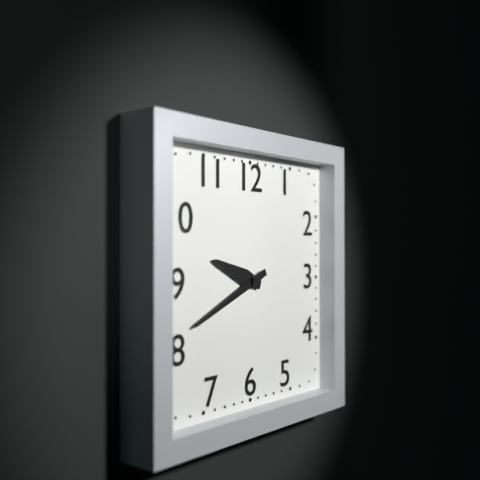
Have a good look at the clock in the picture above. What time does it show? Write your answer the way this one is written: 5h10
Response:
9h41
